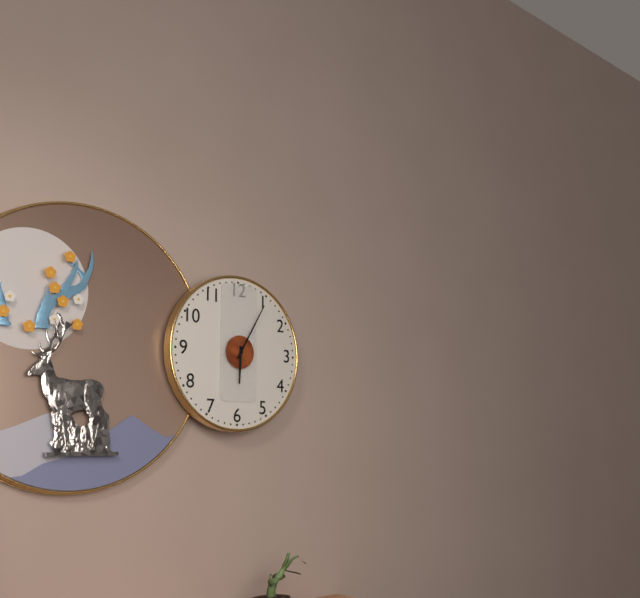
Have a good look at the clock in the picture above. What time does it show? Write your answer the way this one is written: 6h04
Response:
6h05
